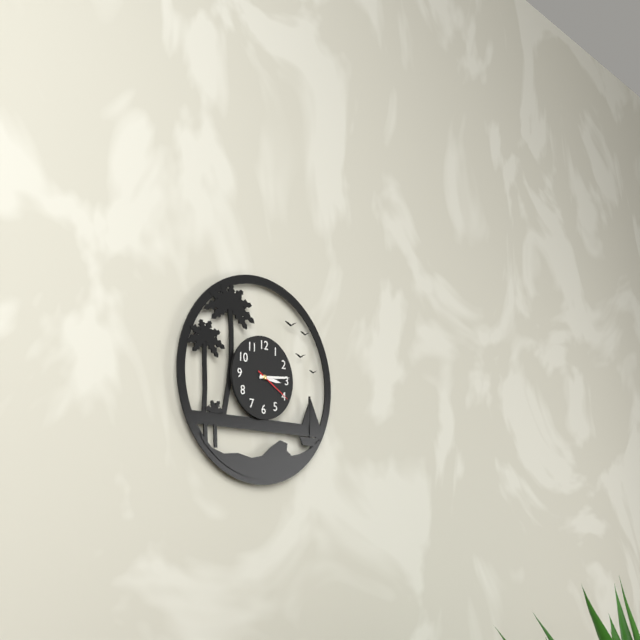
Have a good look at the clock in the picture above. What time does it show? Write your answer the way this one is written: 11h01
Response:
3h14
